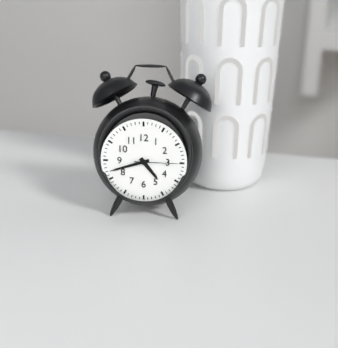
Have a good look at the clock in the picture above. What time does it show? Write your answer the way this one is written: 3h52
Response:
4h42
